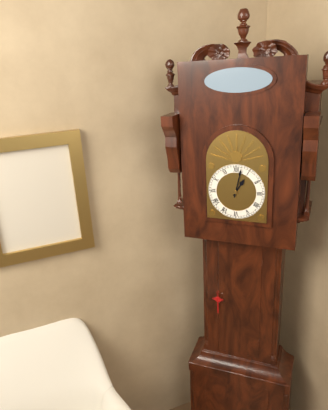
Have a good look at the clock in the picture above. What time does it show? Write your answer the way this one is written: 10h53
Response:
1h02
